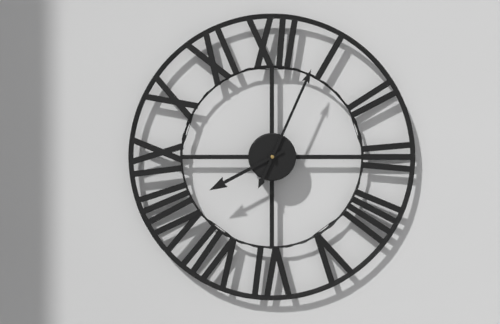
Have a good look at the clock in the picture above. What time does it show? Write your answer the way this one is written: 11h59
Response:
8h04
